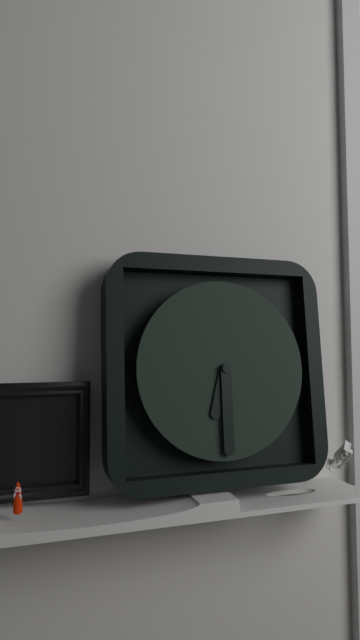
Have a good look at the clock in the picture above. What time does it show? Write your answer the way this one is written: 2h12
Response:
6h30
